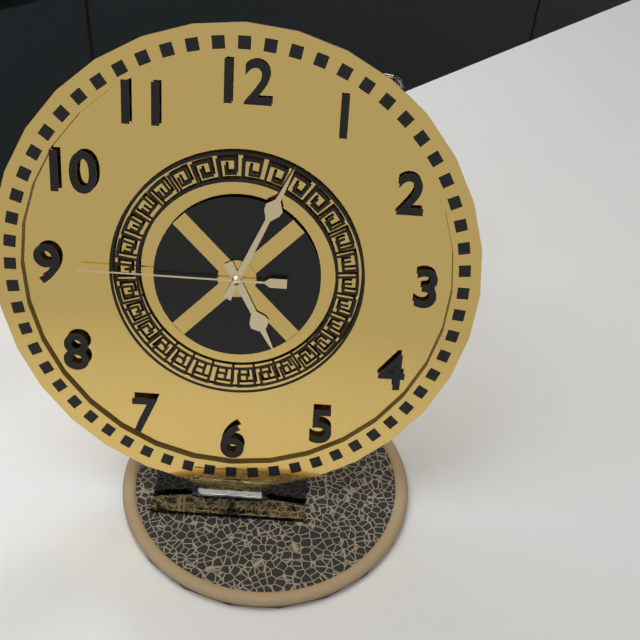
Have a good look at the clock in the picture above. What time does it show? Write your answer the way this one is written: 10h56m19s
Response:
5h04m45s
